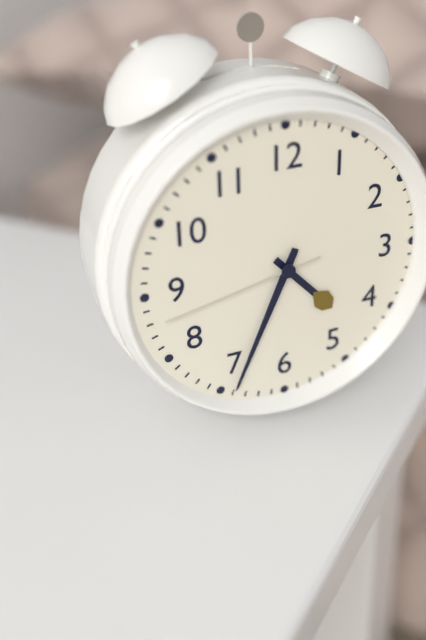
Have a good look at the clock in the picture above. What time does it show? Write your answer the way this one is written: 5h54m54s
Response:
4h34m43s
